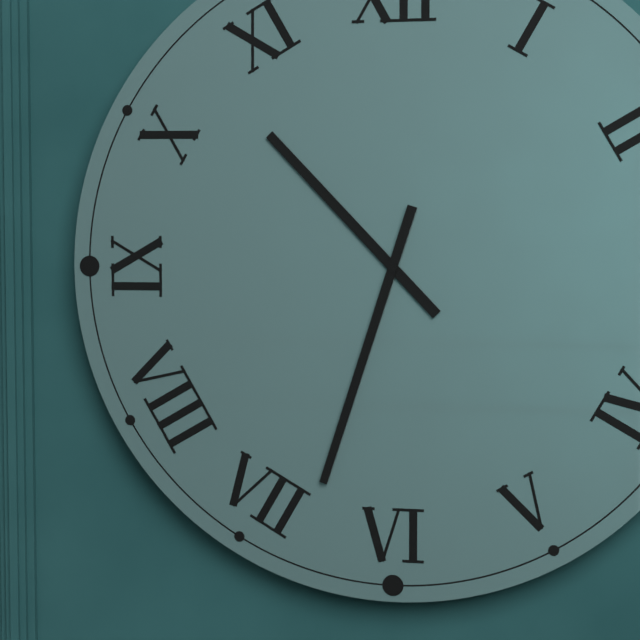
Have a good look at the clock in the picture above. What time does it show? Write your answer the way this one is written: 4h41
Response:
10h33
